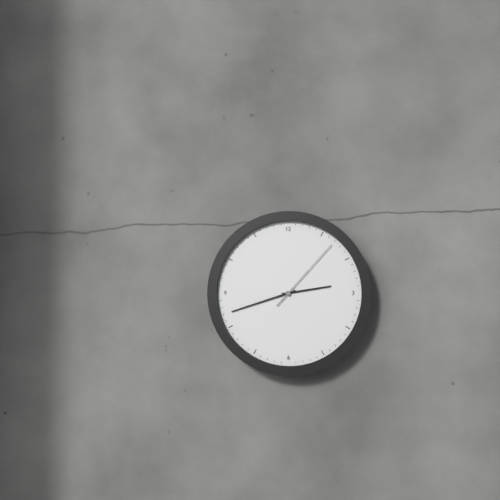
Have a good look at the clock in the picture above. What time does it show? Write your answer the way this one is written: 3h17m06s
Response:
2h42m07s
